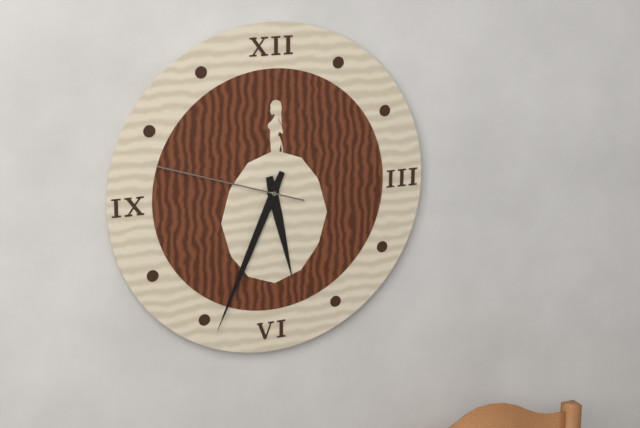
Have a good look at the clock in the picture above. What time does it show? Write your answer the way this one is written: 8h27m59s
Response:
5h34m48s
